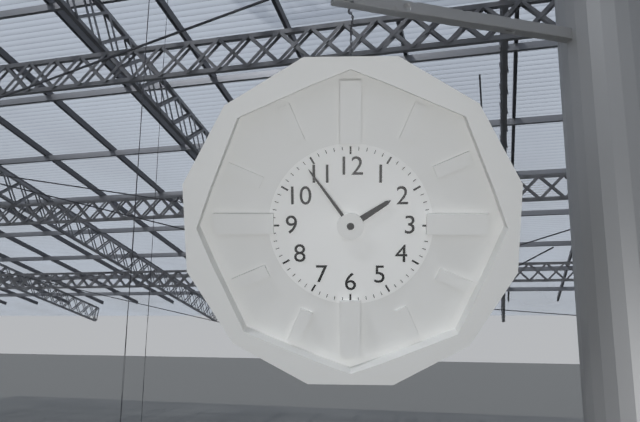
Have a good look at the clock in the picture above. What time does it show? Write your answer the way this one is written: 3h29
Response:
1h54
